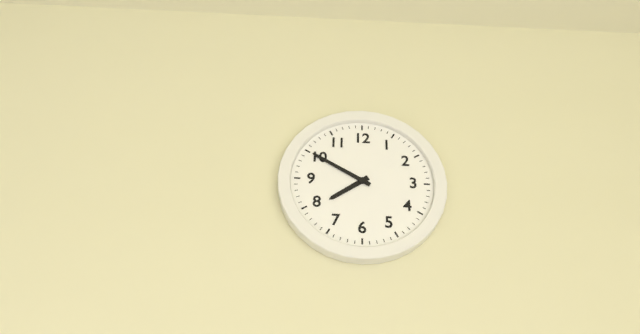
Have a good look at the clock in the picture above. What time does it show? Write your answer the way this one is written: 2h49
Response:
7h50
